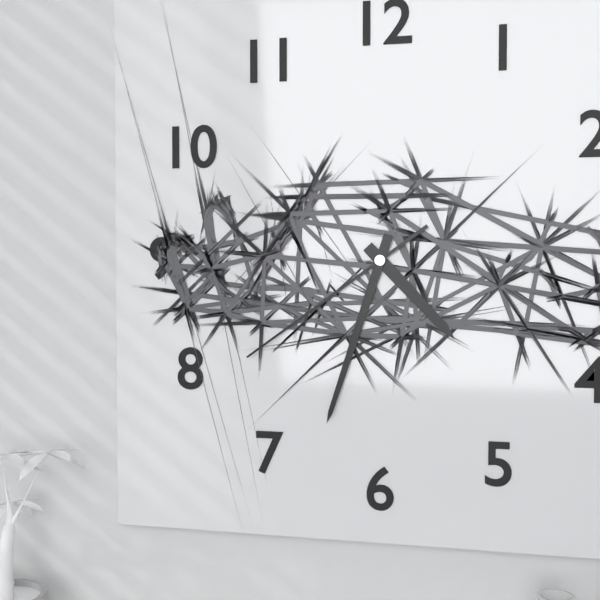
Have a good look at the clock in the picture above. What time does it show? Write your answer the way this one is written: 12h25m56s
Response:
4h33m39s
